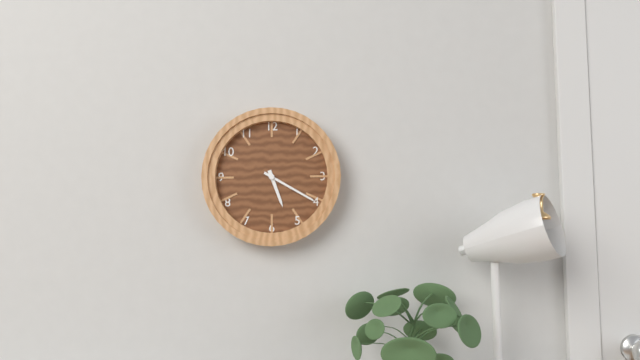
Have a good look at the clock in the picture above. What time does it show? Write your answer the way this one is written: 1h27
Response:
5h20
